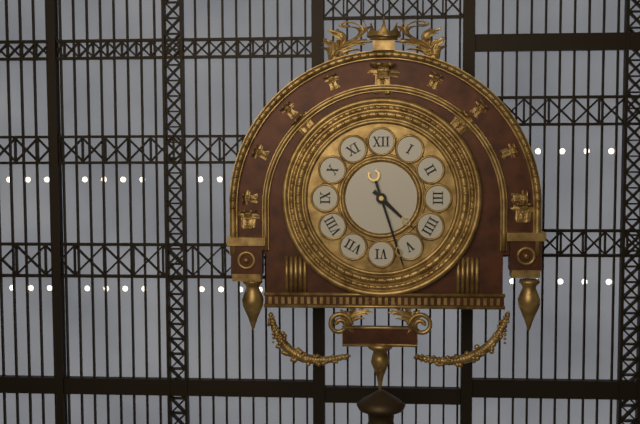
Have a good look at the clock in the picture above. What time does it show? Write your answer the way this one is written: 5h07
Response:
4h27
